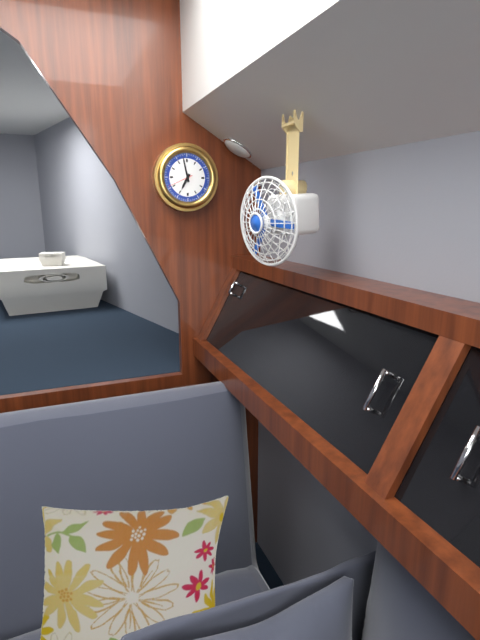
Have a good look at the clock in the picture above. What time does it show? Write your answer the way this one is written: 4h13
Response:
6h58
